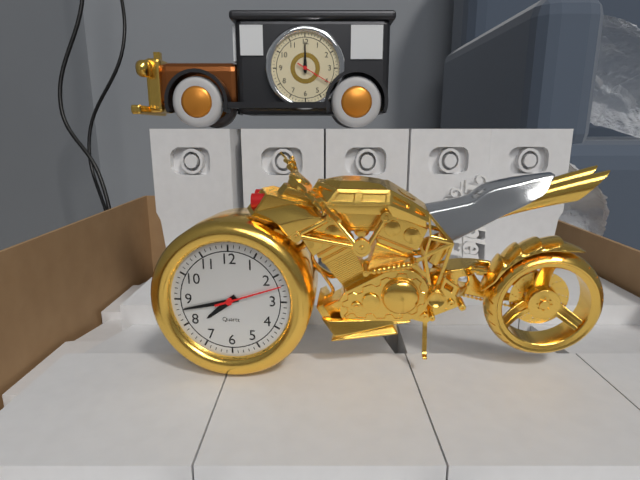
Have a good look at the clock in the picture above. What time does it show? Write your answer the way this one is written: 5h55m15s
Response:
7h43m12s
